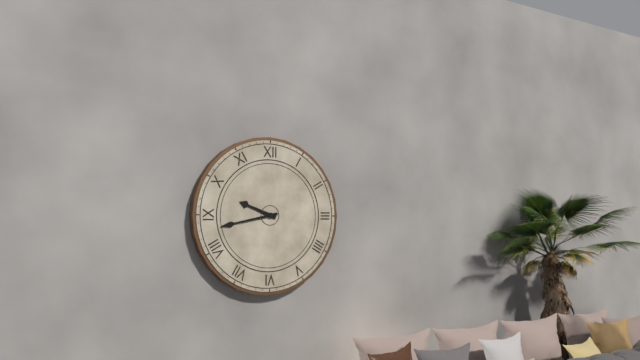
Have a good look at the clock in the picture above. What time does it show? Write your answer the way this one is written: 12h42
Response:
9h43
